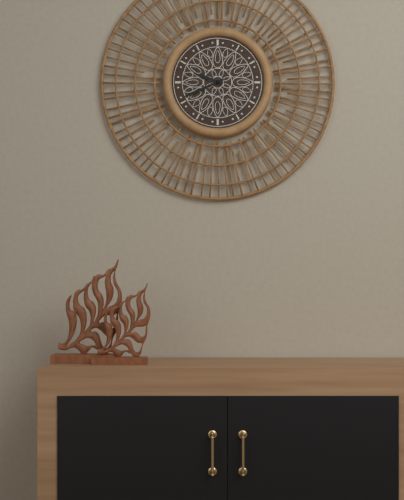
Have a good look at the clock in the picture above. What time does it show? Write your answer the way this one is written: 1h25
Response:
9h41
